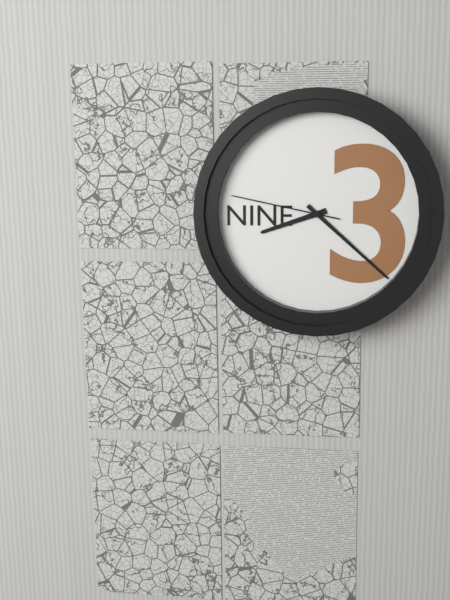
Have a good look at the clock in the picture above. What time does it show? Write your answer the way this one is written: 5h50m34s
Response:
8h22m47s
